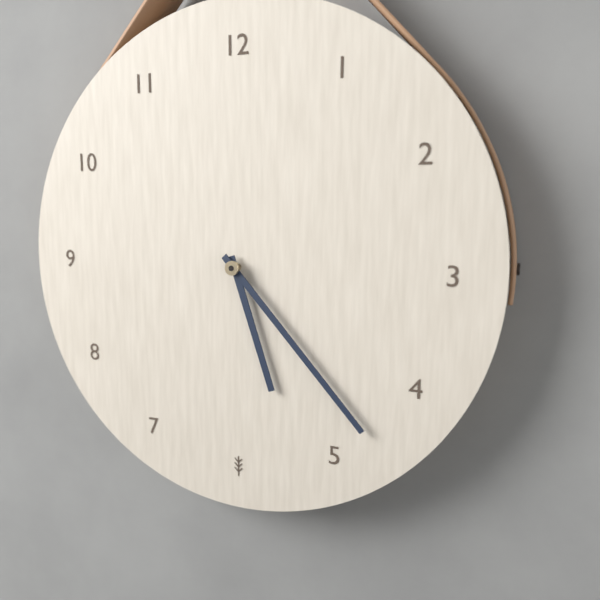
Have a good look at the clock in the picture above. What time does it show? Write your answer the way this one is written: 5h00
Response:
5h23
